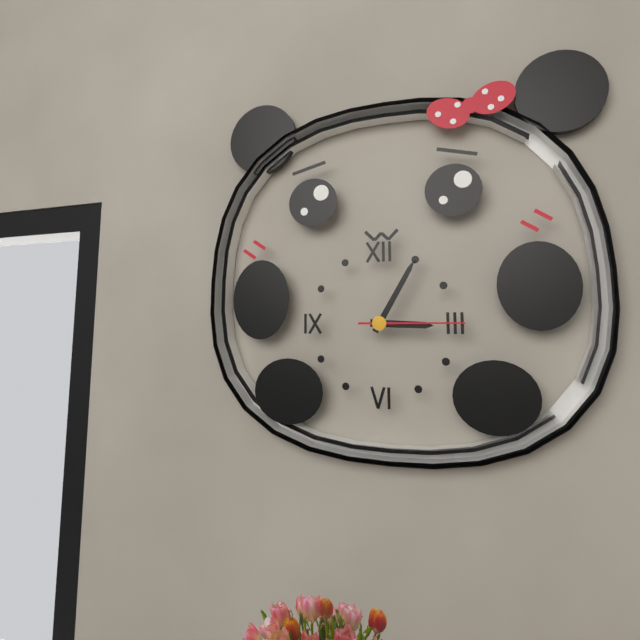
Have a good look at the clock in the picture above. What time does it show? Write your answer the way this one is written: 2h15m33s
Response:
3h05m15s
